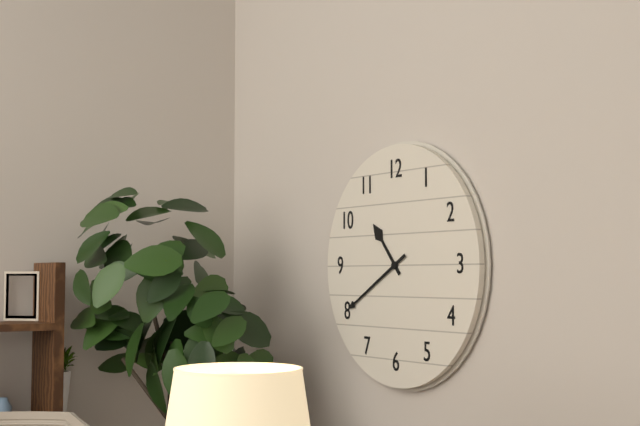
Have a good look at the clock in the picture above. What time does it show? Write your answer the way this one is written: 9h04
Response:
10h40
